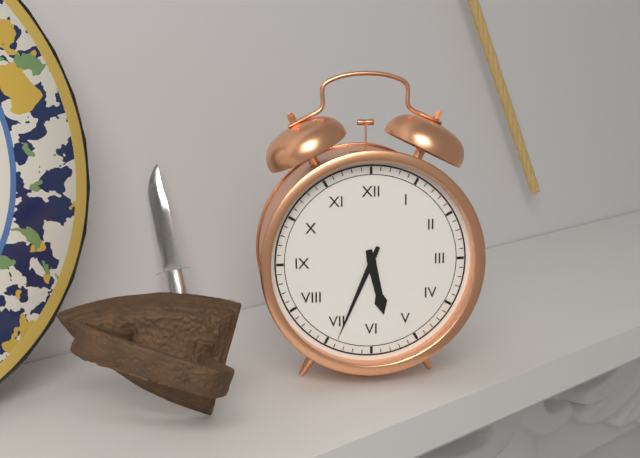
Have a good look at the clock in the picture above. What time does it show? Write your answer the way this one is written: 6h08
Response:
5h34
